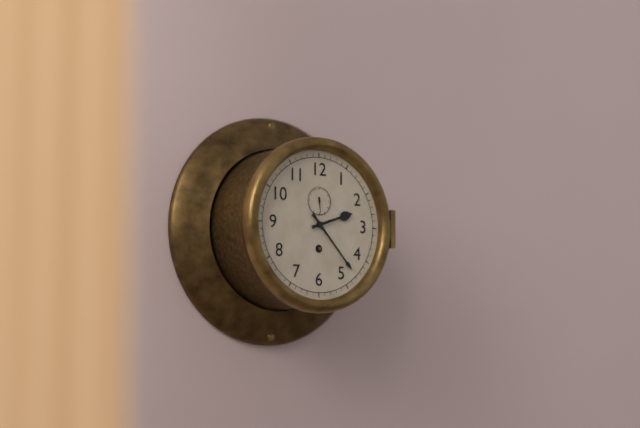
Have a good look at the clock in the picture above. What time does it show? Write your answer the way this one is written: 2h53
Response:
2h23
